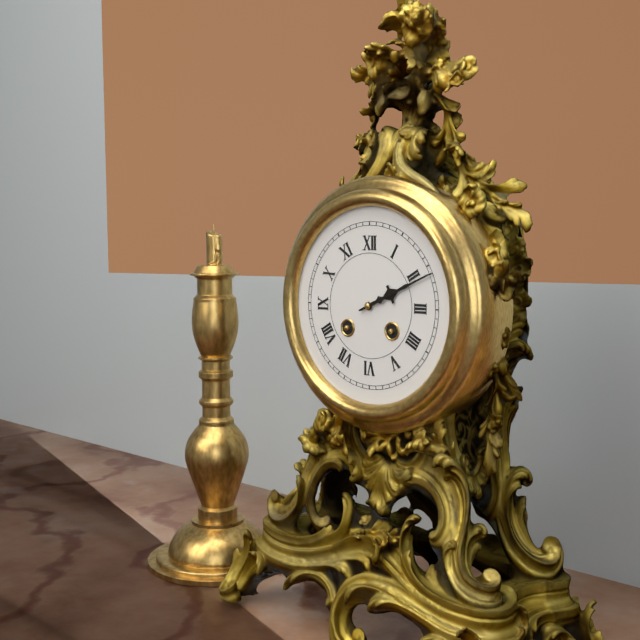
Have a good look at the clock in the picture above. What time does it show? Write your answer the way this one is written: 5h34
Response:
2h11
